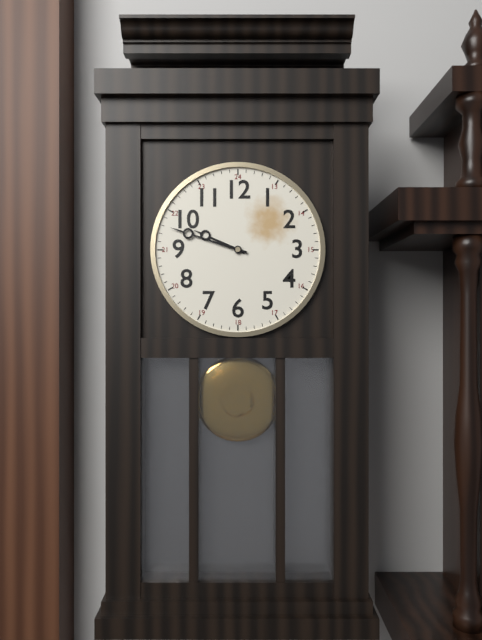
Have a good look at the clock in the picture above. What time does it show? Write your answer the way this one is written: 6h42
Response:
9h48
